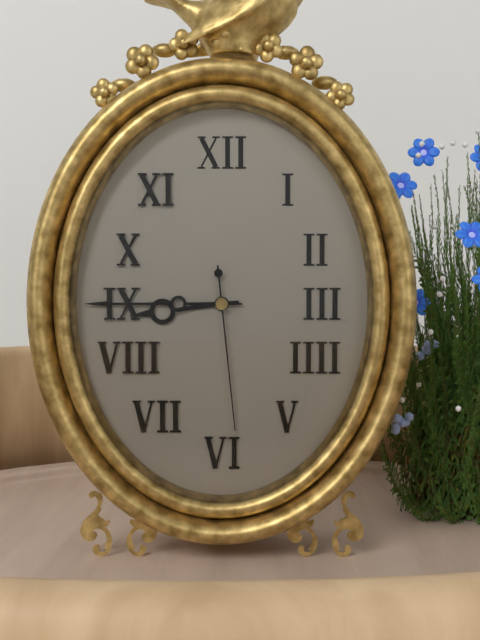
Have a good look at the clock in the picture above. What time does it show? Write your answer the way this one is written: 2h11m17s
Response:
8h45m29s
